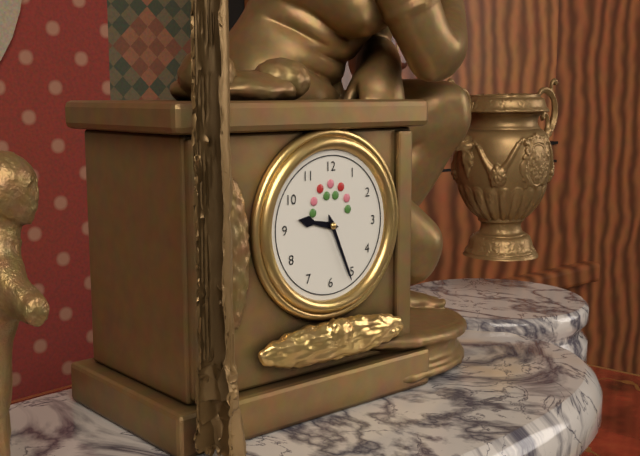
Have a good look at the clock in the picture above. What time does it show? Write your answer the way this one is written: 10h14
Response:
9h26
